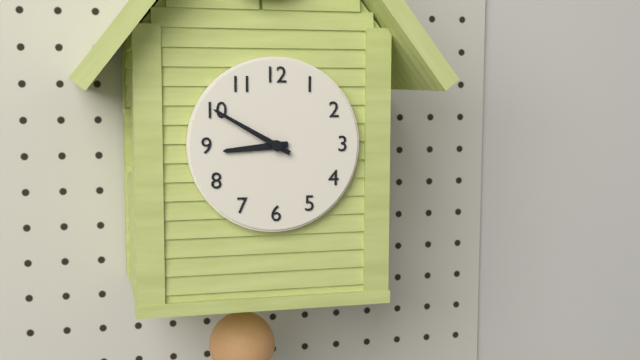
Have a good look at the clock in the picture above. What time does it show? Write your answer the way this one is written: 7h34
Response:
8h50
